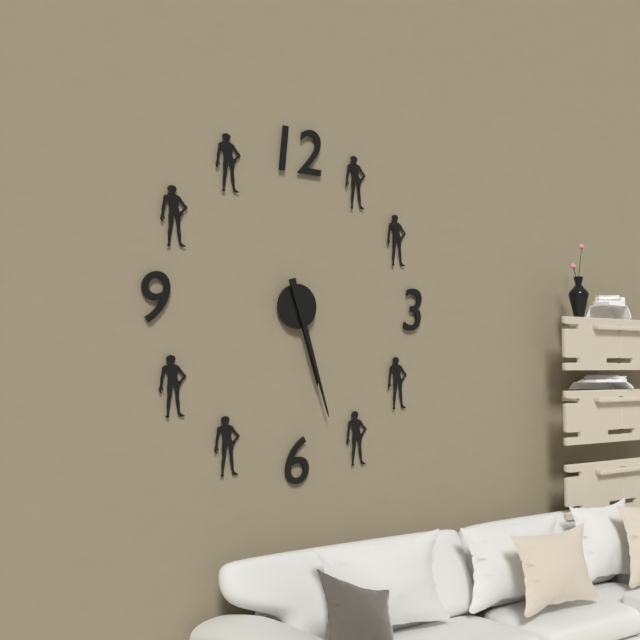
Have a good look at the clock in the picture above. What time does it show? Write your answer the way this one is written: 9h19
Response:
5h27
